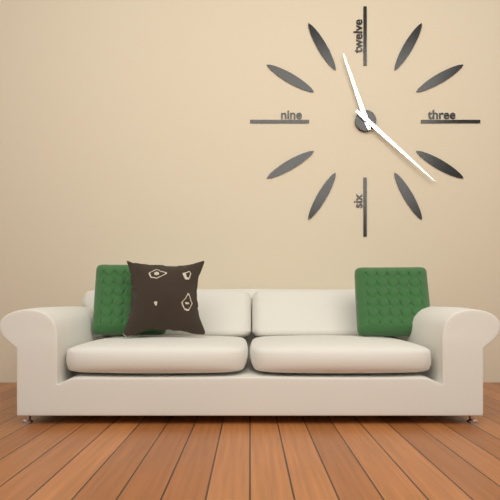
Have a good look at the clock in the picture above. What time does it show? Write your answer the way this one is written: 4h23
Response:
11h22
